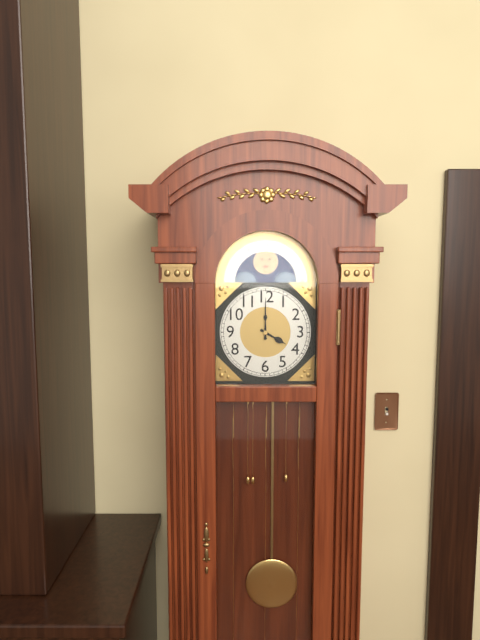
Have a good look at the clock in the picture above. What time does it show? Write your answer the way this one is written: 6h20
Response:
4h00
